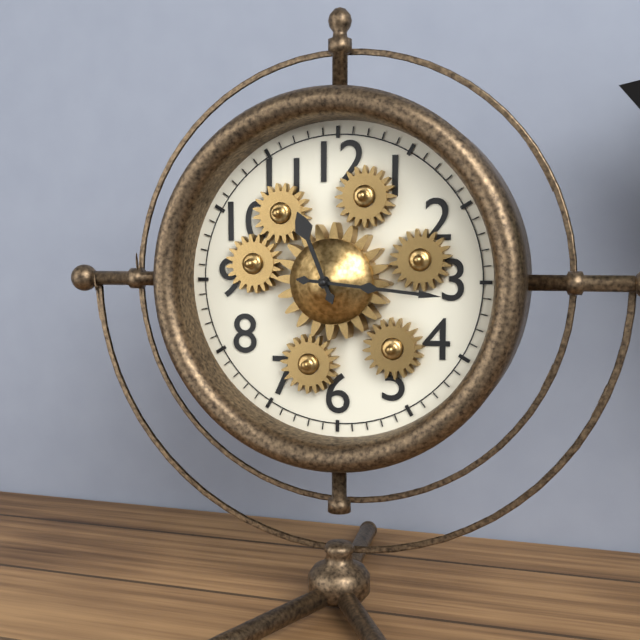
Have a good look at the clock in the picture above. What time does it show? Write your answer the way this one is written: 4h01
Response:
11h16
